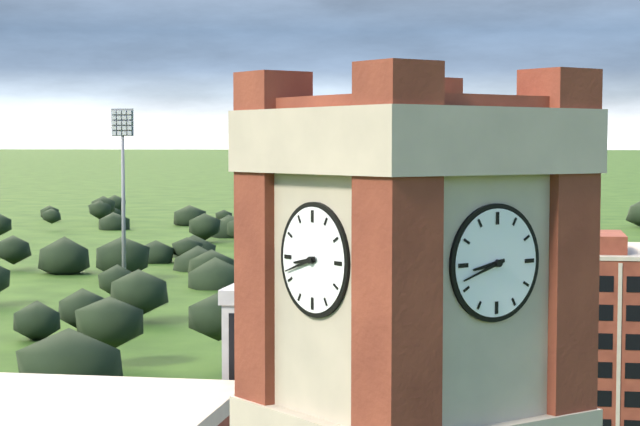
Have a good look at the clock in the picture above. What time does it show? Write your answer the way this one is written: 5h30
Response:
8h42
